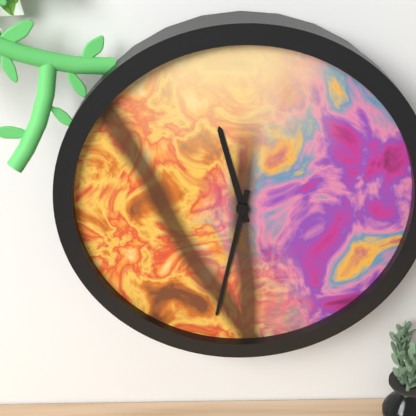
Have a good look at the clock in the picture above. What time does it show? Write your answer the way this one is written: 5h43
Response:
11h32
